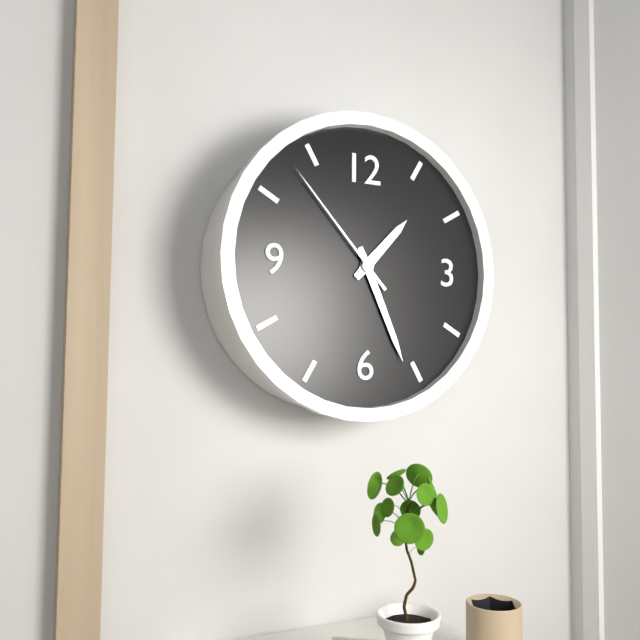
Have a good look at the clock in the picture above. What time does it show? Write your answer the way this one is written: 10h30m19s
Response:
1h26m53s
